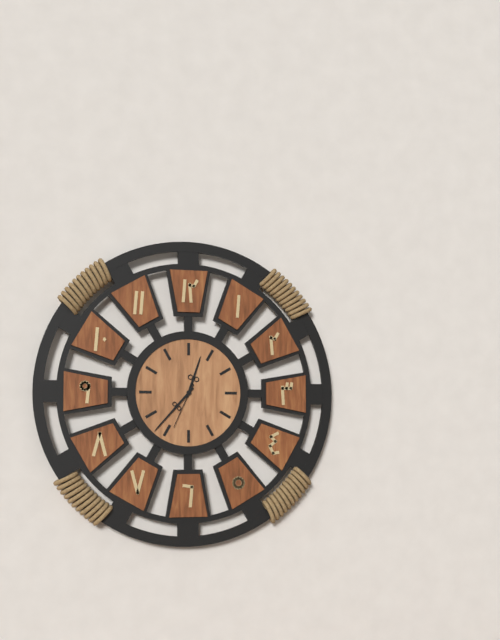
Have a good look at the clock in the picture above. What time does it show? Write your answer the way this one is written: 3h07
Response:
12h37
